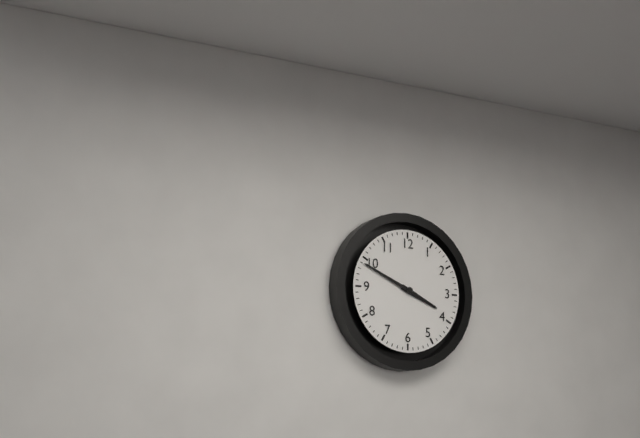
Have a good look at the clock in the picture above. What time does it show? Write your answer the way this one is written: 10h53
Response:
3h49
